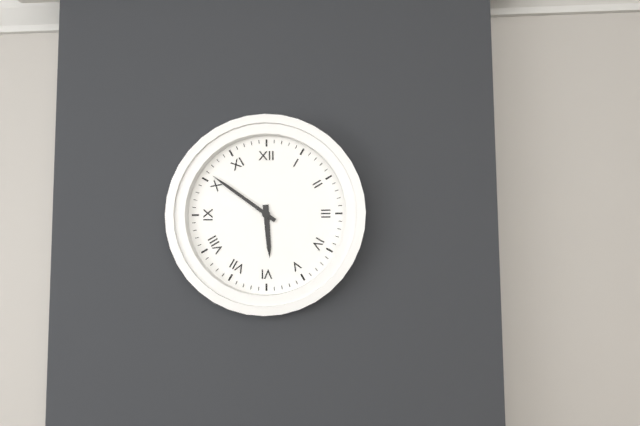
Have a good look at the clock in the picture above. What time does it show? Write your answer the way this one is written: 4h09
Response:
5h51
